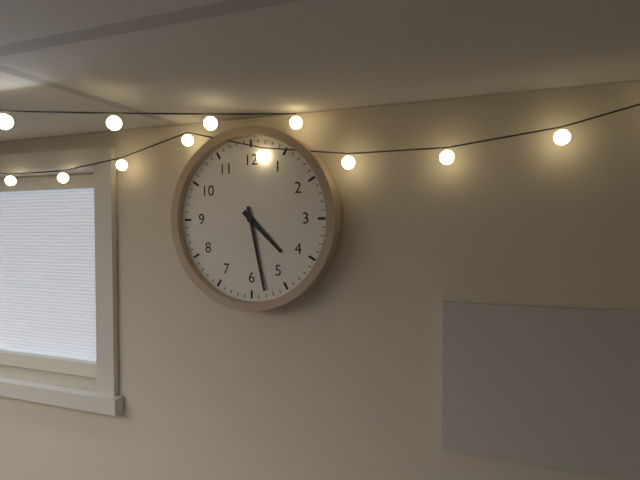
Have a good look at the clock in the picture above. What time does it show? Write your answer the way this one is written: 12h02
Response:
4h28
